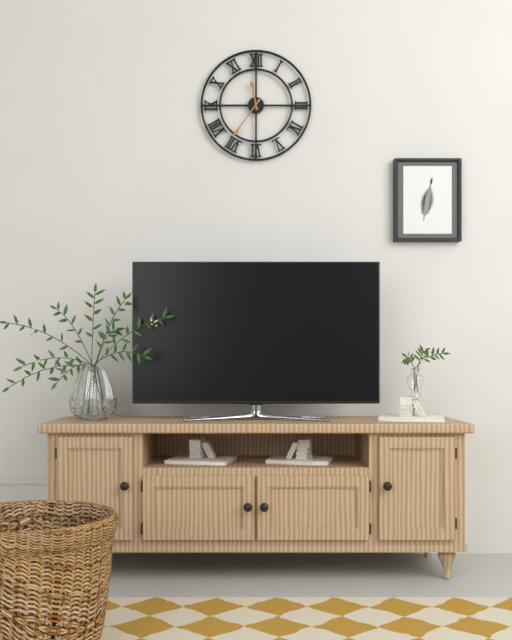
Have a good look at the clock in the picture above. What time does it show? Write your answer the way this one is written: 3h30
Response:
11h36
